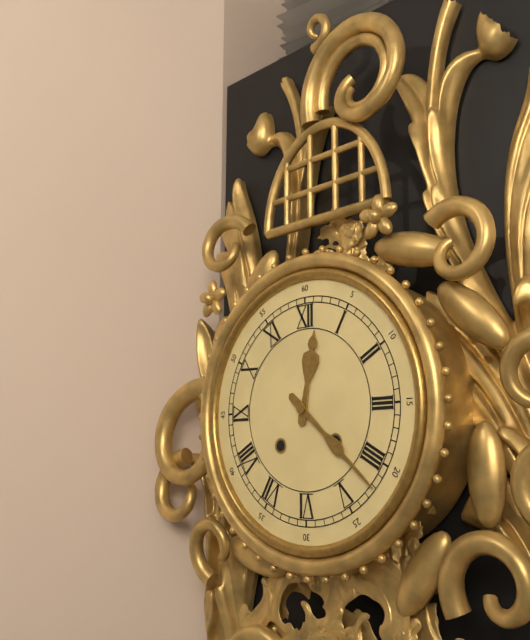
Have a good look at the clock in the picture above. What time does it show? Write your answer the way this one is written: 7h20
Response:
12h22
